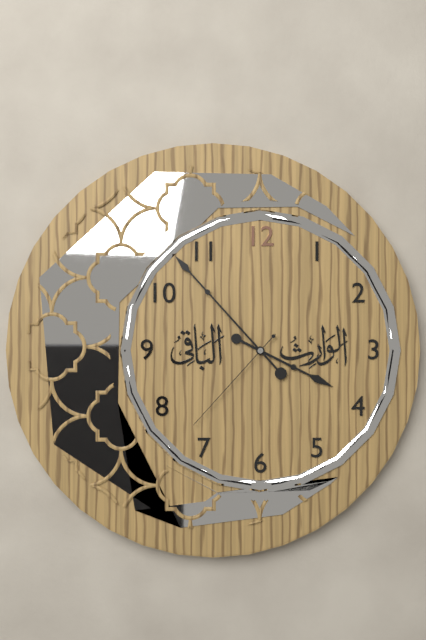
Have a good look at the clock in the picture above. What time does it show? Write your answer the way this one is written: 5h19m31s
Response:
3h53m37s
